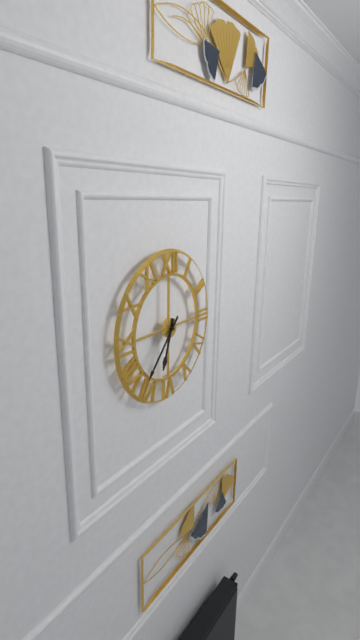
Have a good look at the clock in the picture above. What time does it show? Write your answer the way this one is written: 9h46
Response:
6h37
